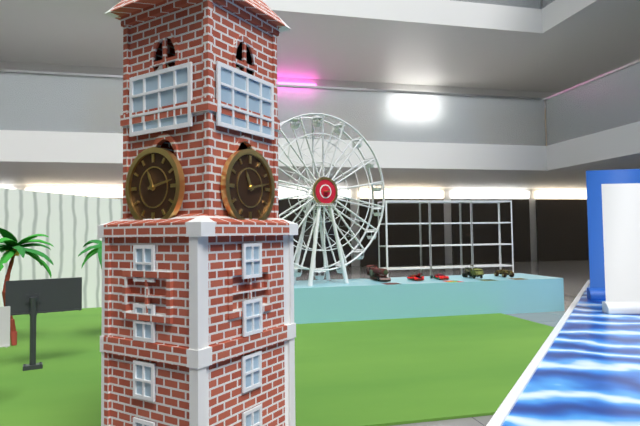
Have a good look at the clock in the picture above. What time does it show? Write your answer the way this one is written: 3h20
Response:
11h13
